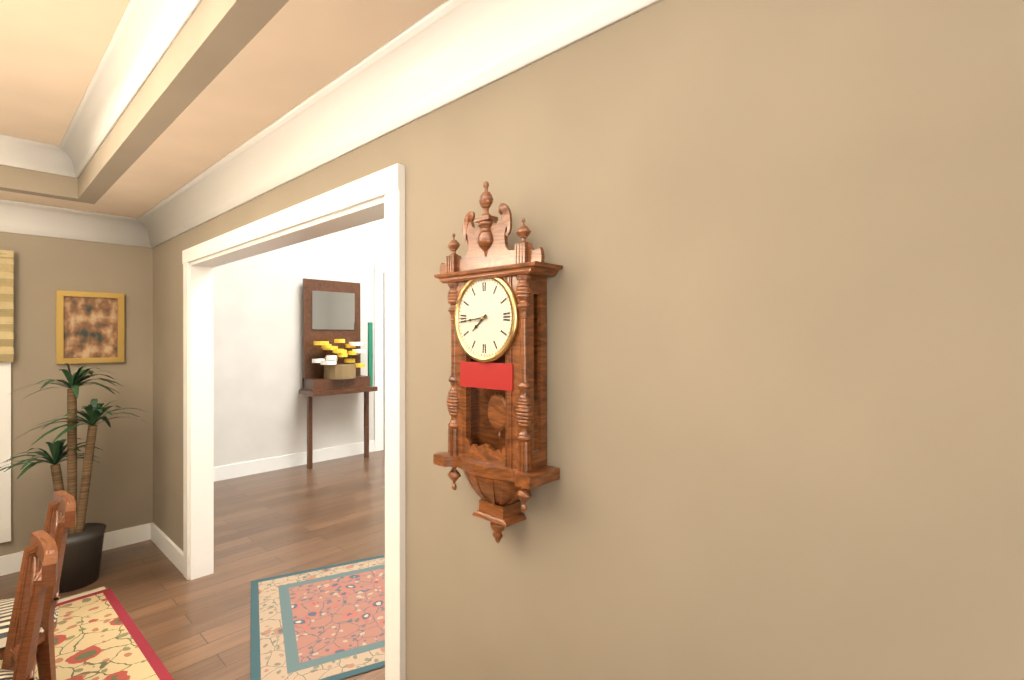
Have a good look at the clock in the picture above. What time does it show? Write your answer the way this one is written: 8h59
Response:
7h44
